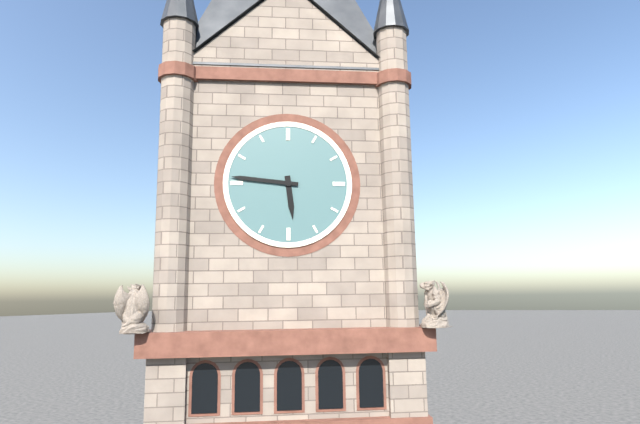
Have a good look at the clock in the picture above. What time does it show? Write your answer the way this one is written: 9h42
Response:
5h46
